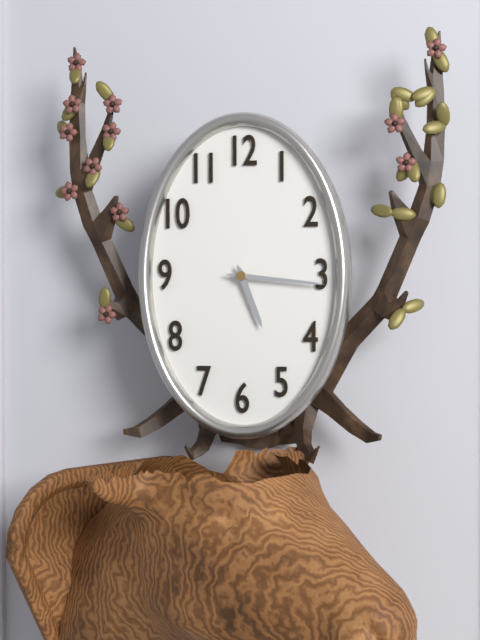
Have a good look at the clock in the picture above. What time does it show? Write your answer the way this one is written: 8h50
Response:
5h16
